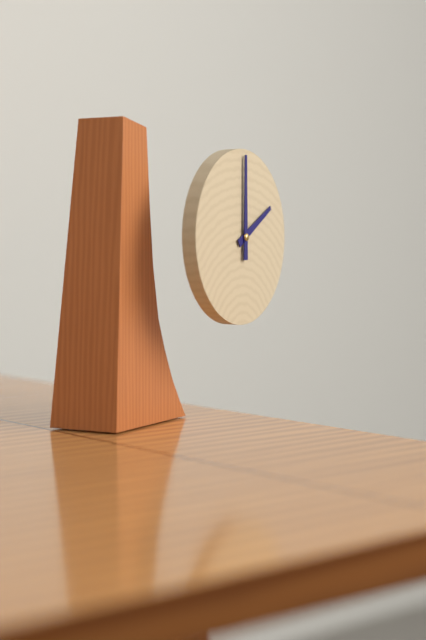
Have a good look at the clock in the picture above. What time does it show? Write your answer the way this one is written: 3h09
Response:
2h00
